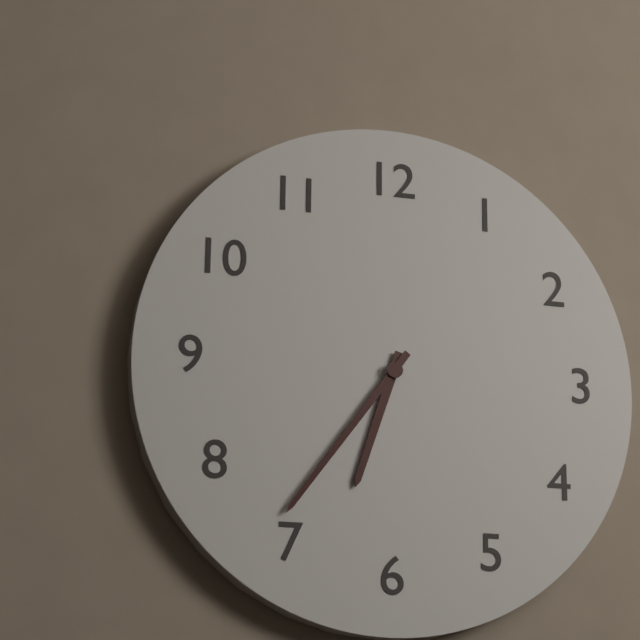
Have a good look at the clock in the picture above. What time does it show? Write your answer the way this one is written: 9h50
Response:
6h36
